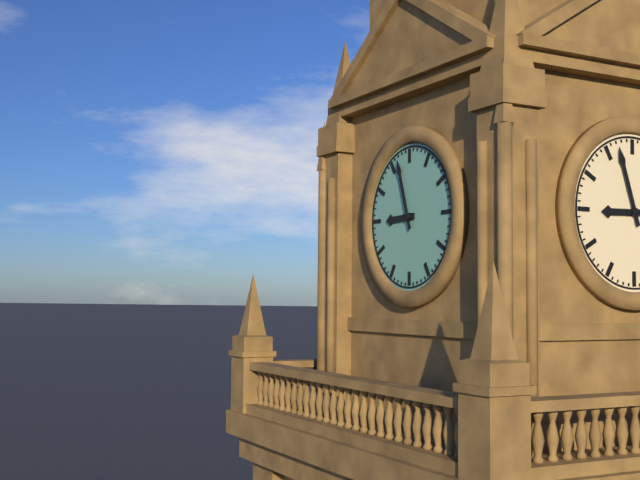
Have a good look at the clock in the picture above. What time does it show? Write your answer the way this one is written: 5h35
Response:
8h57
